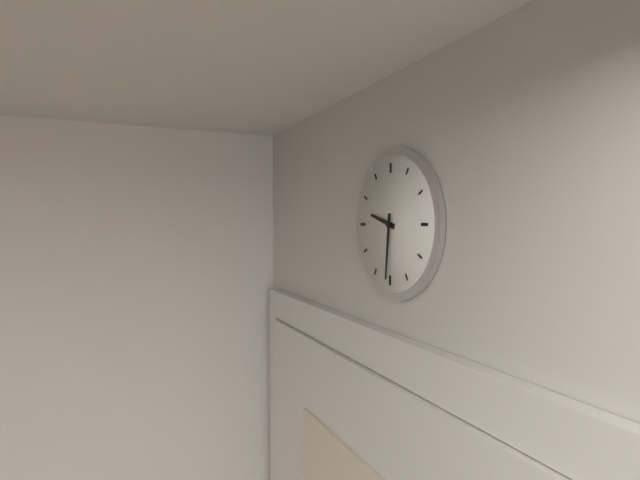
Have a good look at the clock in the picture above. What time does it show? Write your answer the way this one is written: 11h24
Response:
9h31
